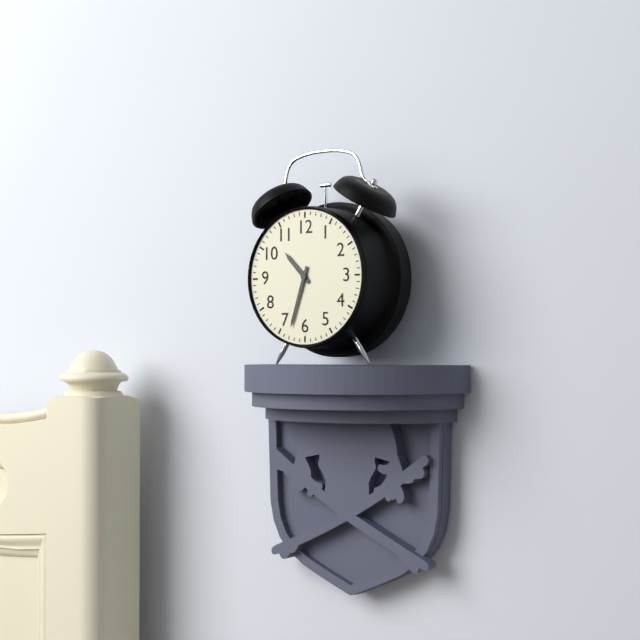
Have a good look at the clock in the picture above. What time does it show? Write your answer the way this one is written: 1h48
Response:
10h33
